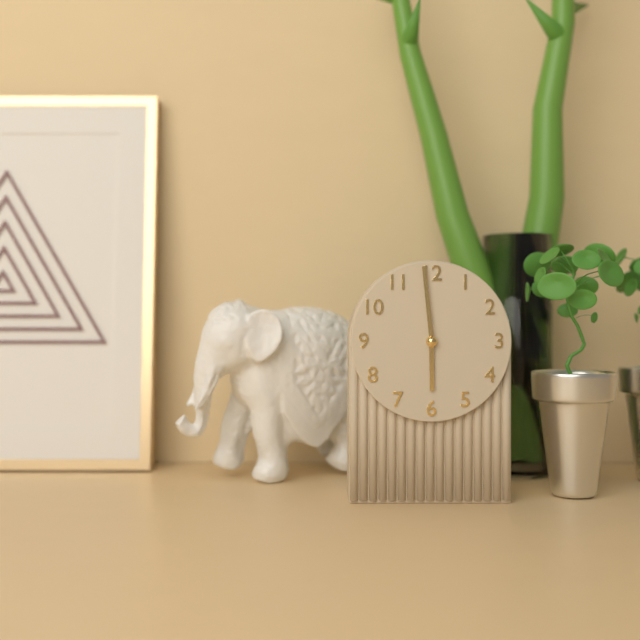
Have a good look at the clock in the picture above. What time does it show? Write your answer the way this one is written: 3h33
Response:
5h59
